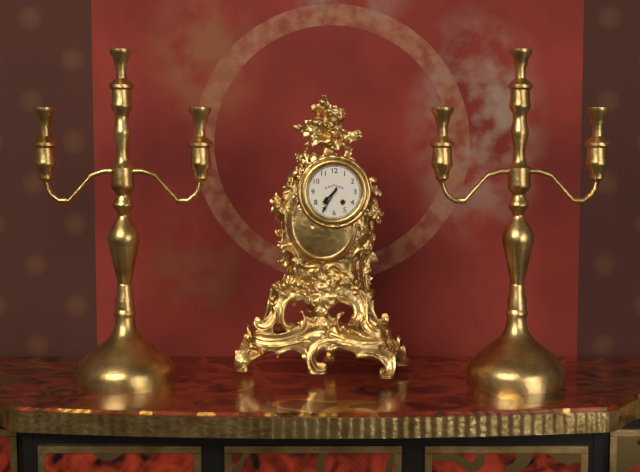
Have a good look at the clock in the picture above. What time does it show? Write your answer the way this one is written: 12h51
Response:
7h35
